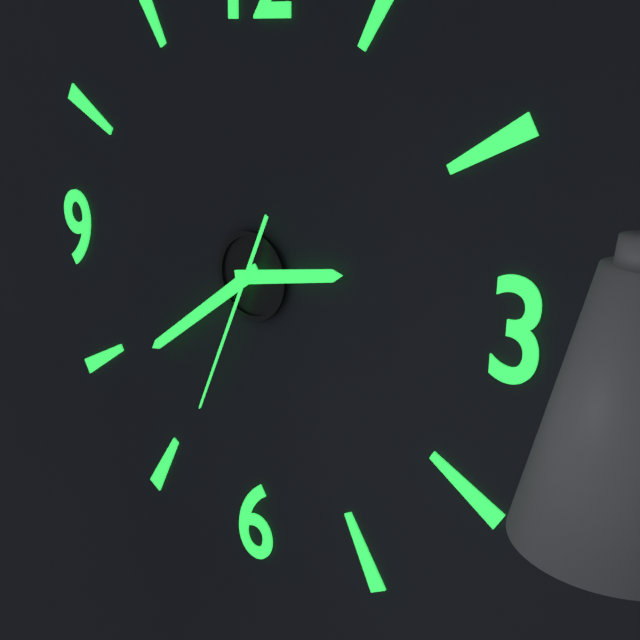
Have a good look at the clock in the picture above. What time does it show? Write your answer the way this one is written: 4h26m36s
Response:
2h39m34s
